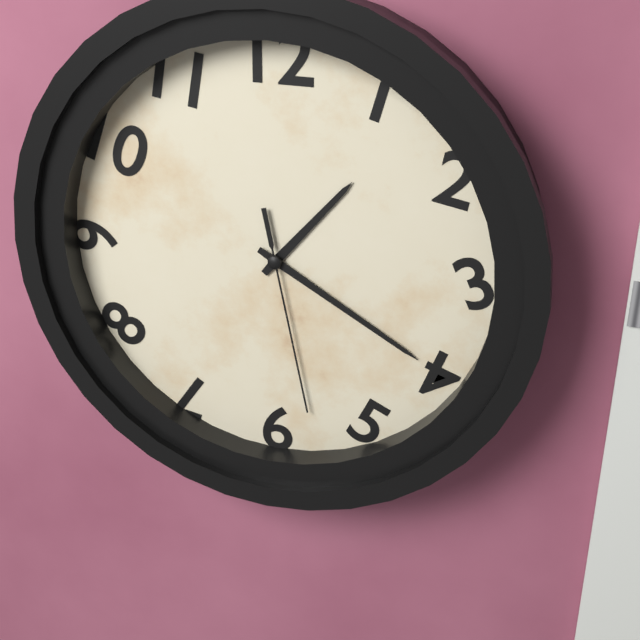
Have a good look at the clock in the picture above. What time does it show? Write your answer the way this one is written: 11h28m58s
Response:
1h20m28s
